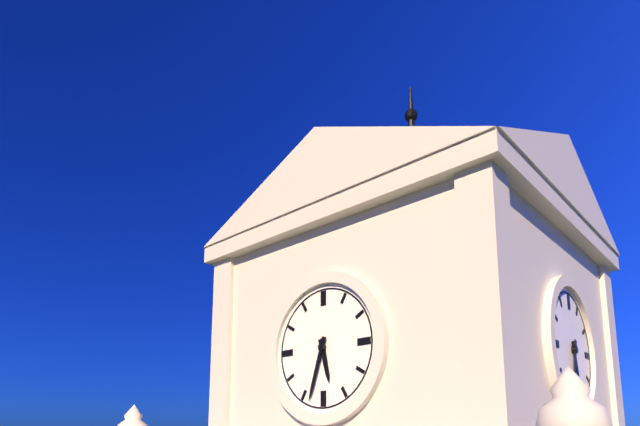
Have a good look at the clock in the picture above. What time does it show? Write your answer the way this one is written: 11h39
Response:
5h33
